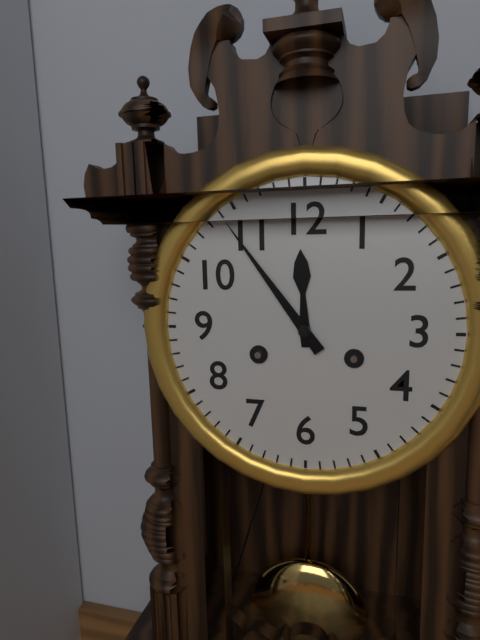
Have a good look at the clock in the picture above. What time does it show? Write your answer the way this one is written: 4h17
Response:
11h54
